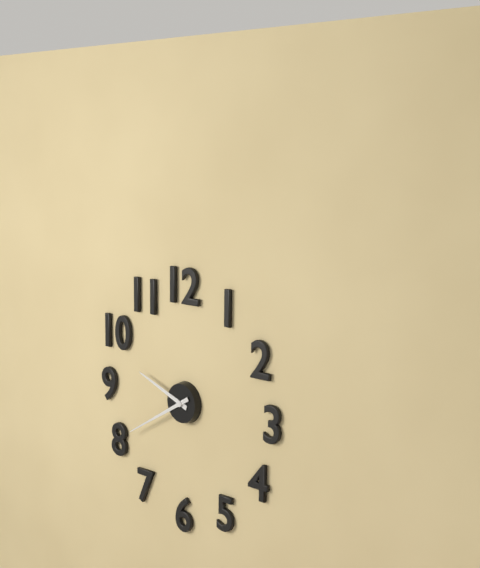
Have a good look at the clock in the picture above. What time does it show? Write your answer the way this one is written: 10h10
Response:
9h40
